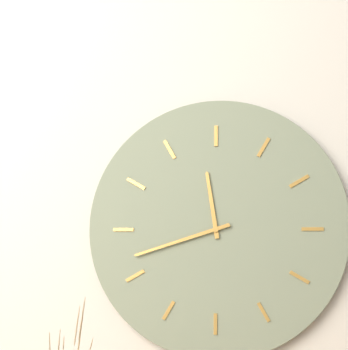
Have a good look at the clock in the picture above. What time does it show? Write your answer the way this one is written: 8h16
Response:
11h42
